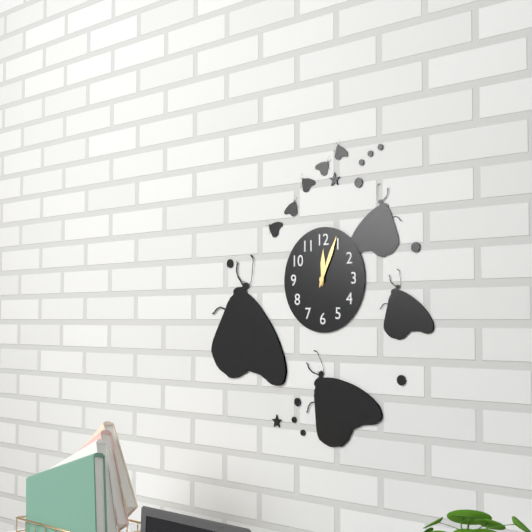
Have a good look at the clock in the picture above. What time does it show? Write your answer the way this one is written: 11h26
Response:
12h04
